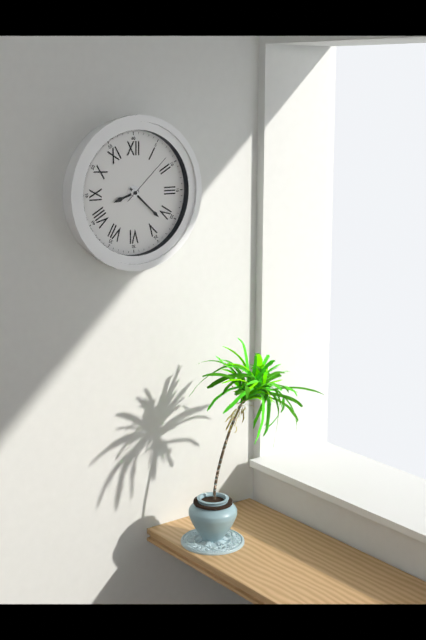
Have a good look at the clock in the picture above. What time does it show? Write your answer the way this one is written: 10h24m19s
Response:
8h22m08s
